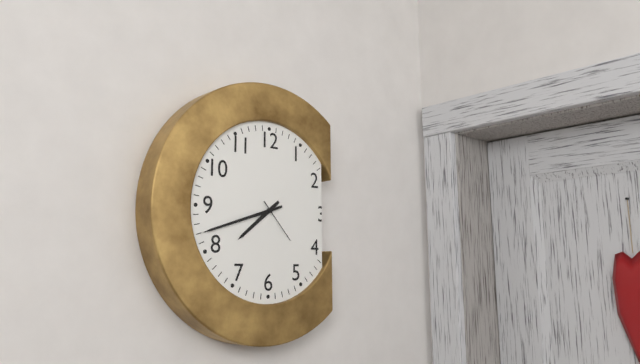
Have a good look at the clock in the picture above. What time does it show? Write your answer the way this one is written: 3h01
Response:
7h42
